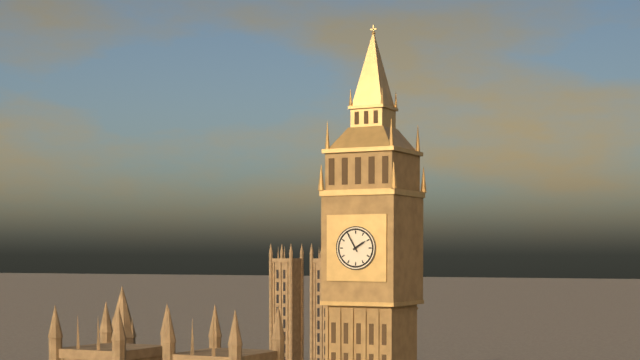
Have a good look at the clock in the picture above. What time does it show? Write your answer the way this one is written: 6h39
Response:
1h55
